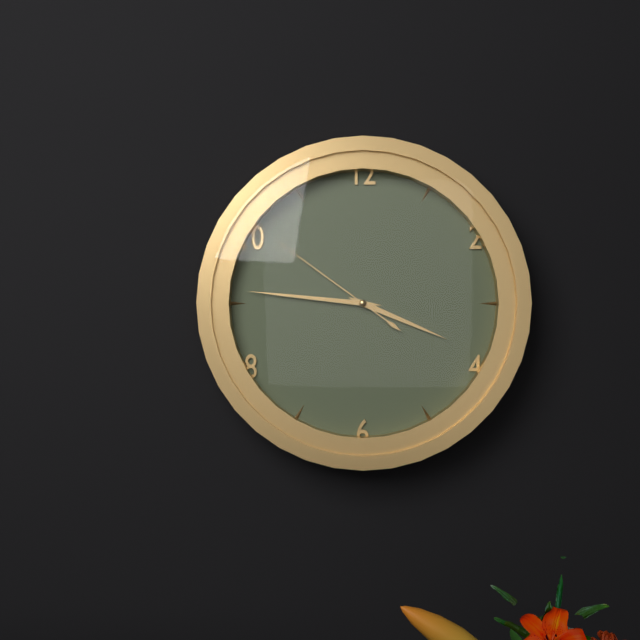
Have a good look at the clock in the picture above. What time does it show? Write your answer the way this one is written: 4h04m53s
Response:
3h46m51s
